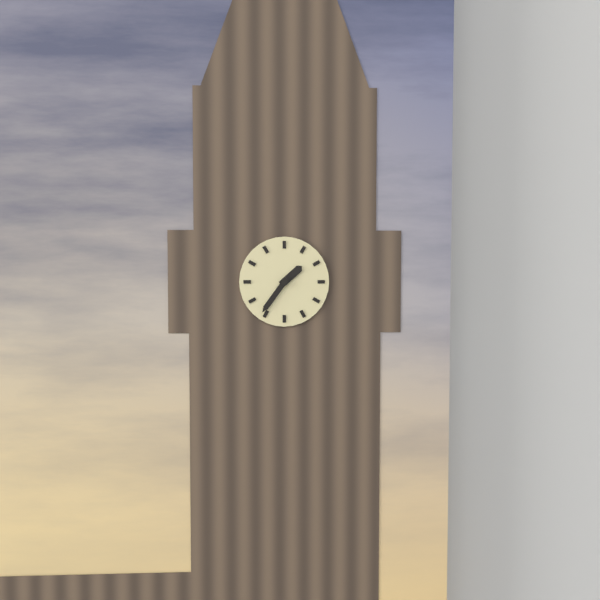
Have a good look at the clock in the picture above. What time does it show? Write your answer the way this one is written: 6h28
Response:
1h36
